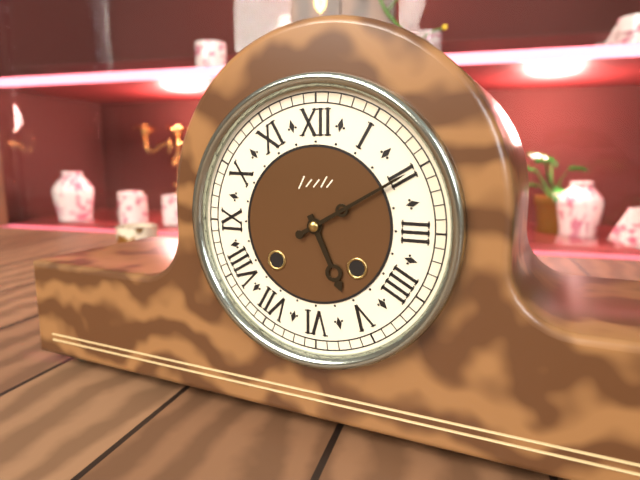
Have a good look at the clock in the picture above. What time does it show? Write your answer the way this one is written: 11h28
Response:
5h10
